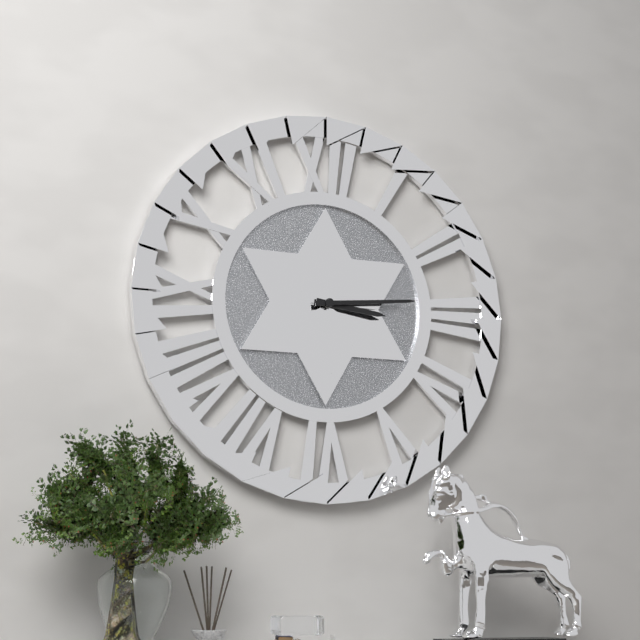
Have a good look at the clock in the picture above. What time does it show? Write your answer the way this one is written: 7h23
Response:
3h14
